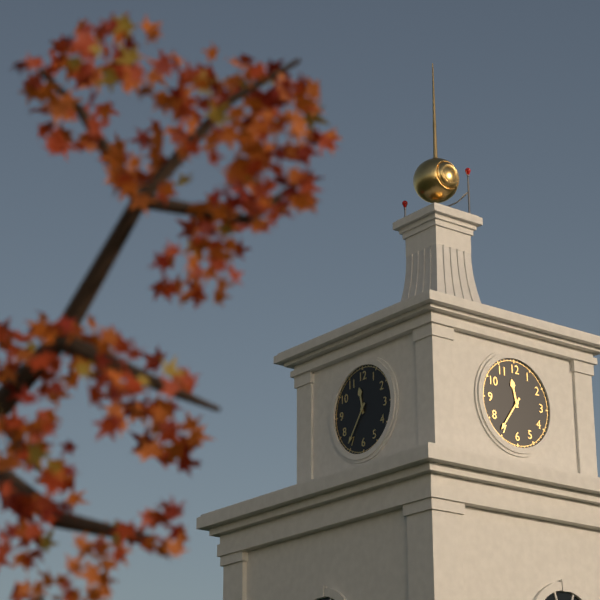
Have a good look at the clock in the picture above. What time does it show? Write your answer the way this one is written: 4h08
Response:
11h36
